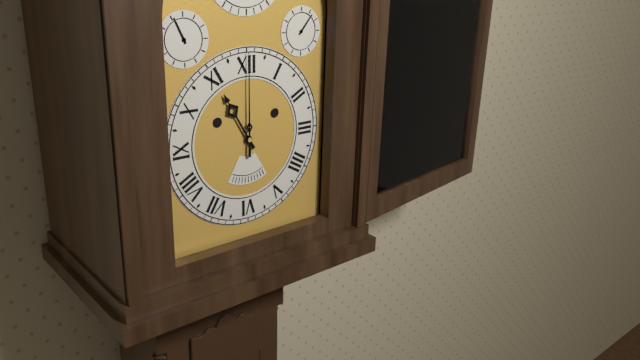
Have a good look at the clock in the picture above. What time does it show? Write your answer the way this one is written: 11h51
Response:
11h00
